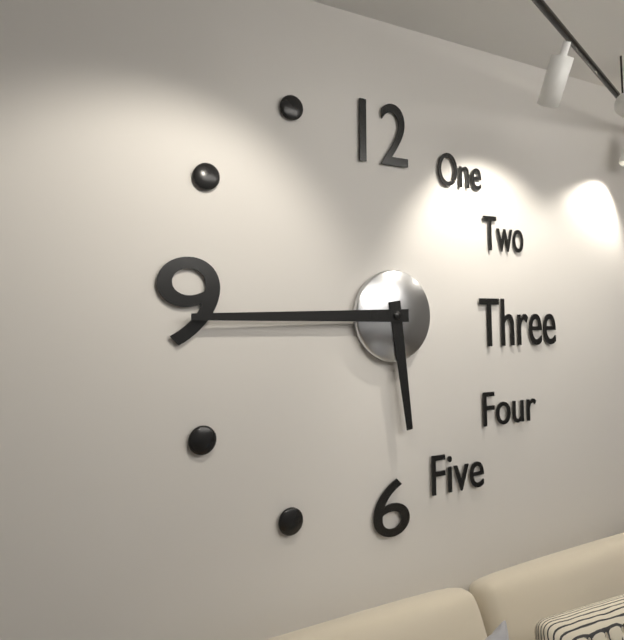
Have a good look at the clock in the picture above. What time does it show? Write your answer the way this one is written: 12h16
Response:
5h45
